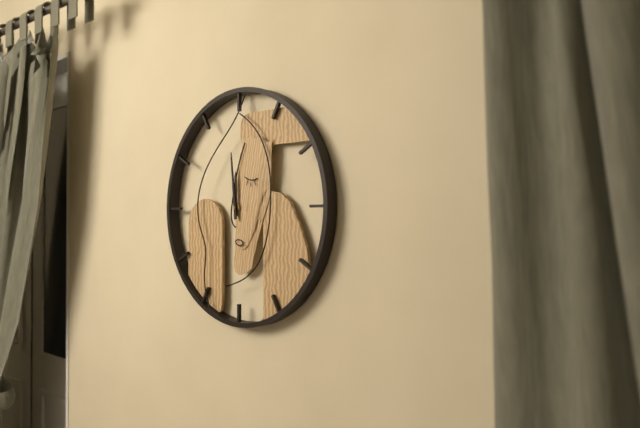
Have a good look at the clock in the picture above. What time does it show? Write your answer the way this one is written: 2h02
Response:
11h59
